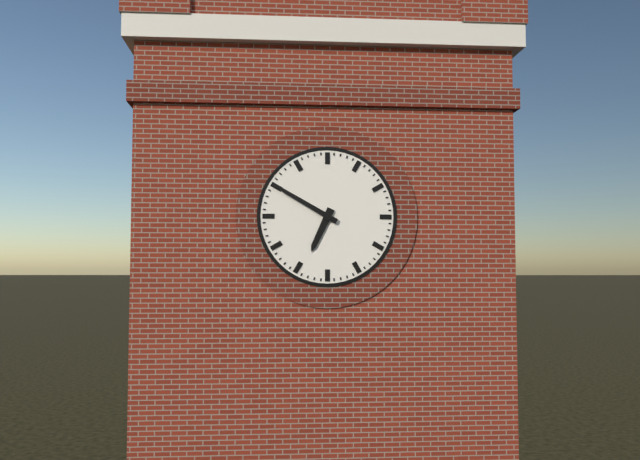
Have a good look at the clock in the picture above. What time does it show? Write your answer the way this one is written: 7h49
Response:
6h50
